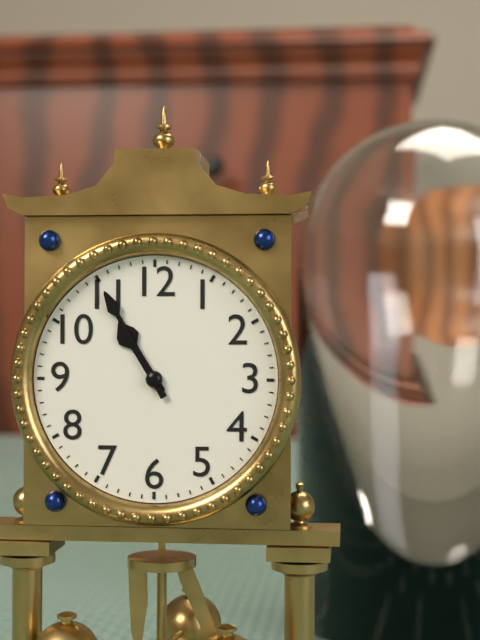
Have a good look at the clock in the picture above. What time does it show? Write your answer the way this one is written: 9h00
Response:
10h55
